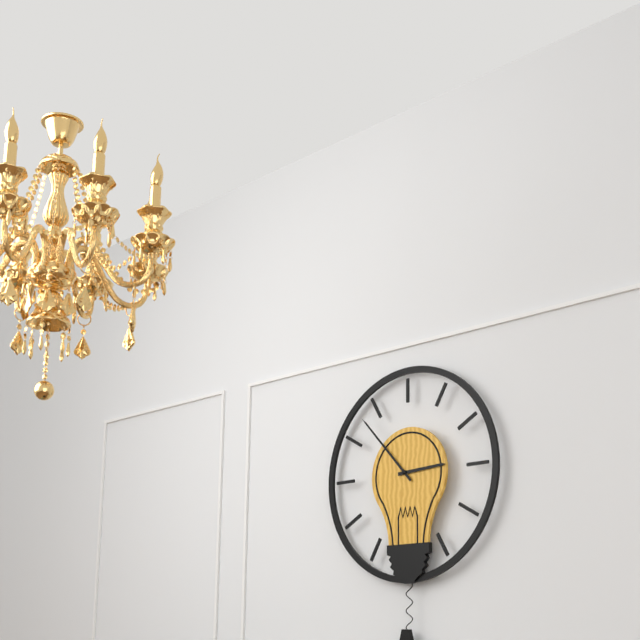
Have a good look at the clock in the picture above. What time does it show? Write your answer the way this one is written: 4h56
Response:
2h53
